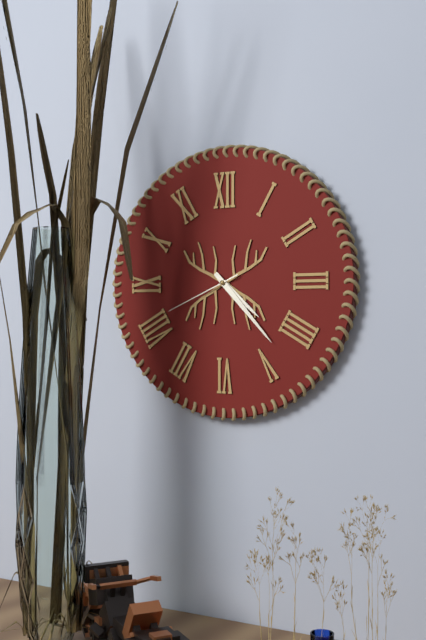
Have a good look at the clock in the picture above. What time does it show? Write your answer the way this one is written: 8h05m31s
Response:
4h23m41s
